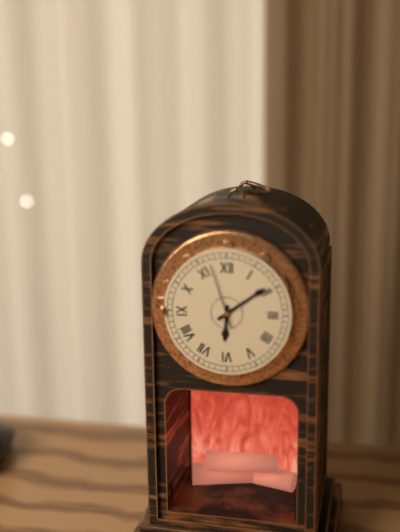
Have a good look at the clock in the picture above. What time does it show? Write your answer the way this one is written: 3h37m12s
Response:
6h09m57s
